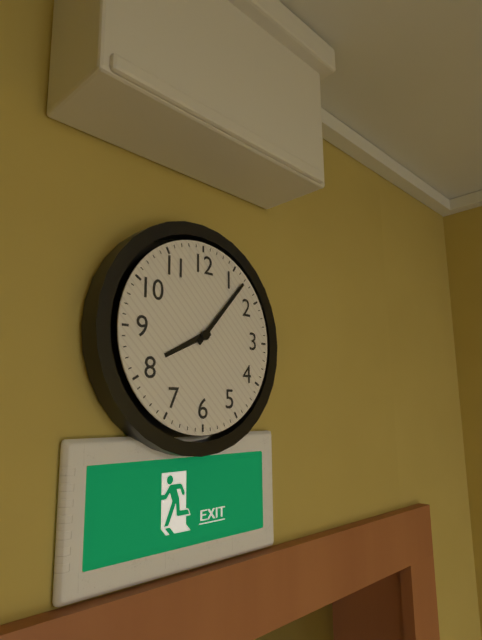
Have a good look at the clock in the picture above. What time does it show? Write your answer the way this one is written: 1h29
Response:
8h07
